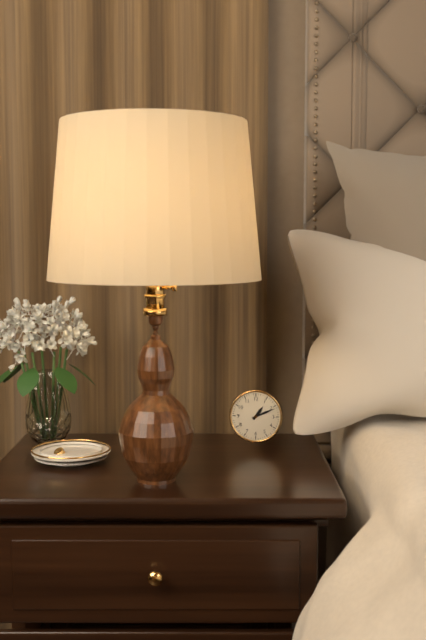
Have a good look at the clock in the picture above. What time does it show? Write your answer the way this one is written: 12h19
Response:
1h11
